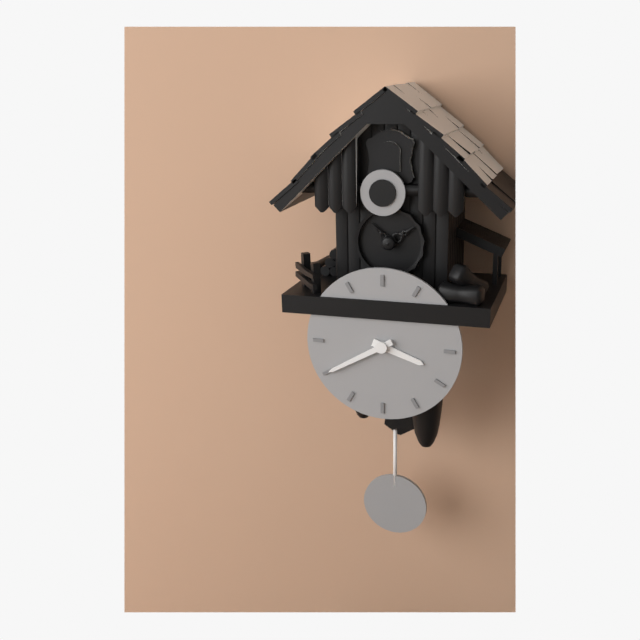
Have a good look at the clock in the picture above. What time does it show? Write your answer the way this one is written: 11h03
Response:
3h40
